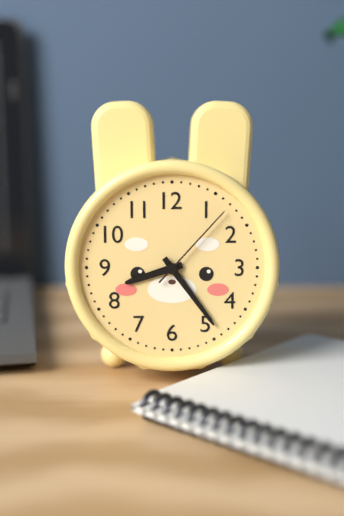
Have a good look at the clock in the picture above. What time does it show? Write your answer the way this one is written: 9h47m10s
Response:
8h24m07s
